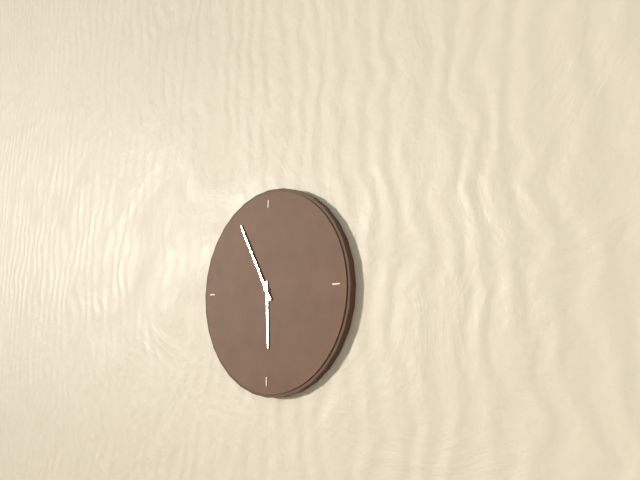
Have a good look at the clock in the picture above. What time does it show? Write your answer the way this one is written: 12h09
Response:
5h55
